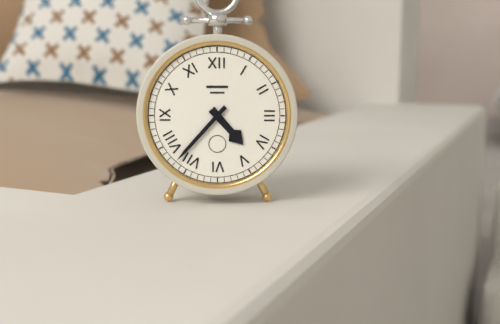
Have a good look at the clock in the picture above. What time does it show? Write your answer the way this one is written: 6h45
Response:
4h37
